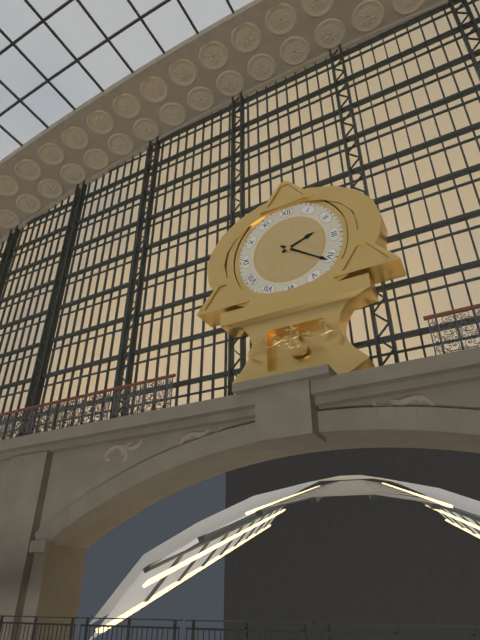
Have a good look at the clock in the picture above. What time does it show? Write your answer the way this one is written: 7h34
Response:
2h21
